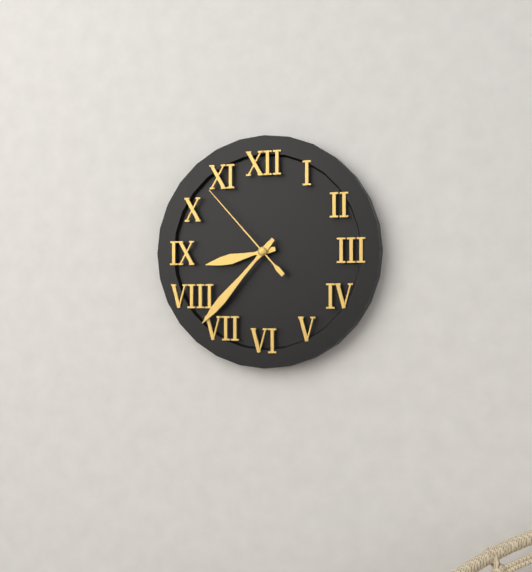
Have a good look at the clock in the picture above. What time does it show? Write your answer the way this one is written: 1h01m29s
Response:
8h37m53s
